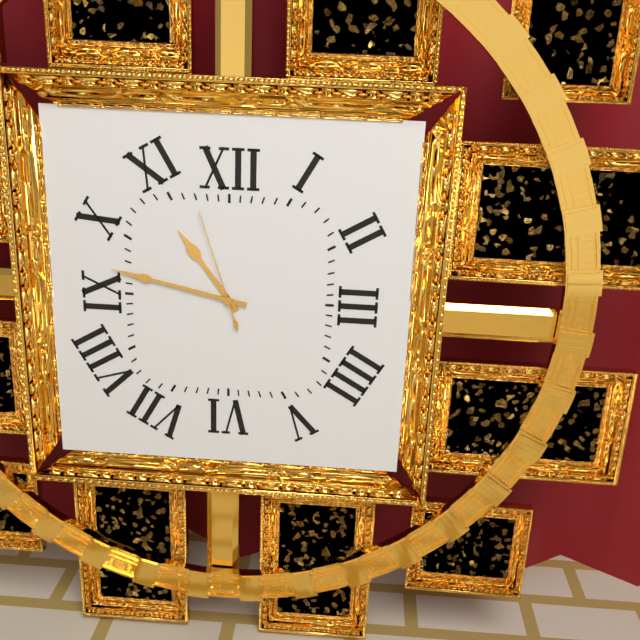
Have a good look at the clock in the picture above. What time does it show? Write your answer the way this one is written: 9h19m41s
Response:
10h47m57s
